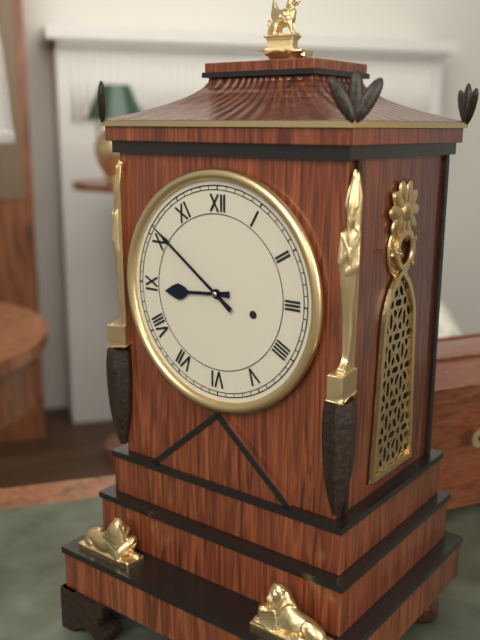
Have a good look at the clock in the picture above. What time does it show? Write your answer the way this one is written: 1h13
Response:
8h51
